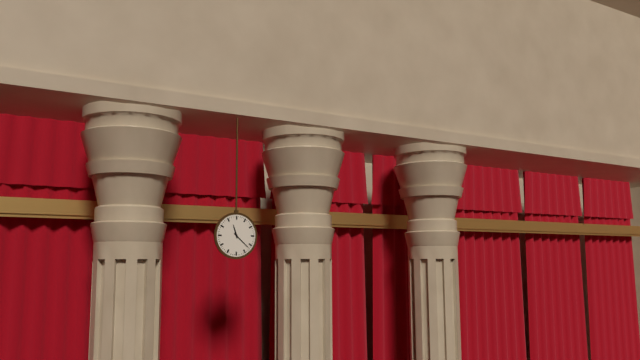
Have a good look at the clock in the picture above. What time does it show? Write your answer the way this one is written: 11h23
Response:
11h22
